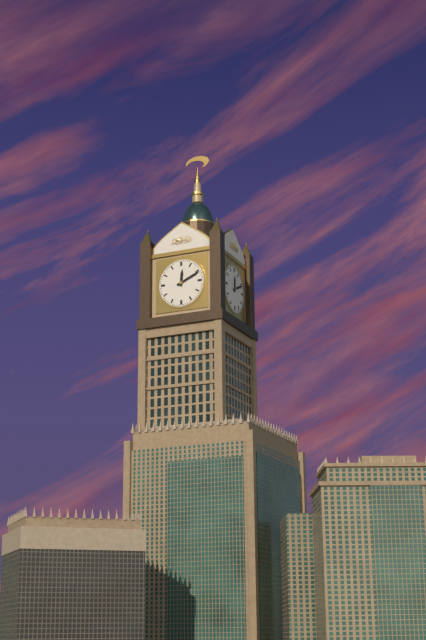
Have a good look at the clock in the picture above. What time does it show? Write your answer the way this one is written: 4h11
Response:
12h11
